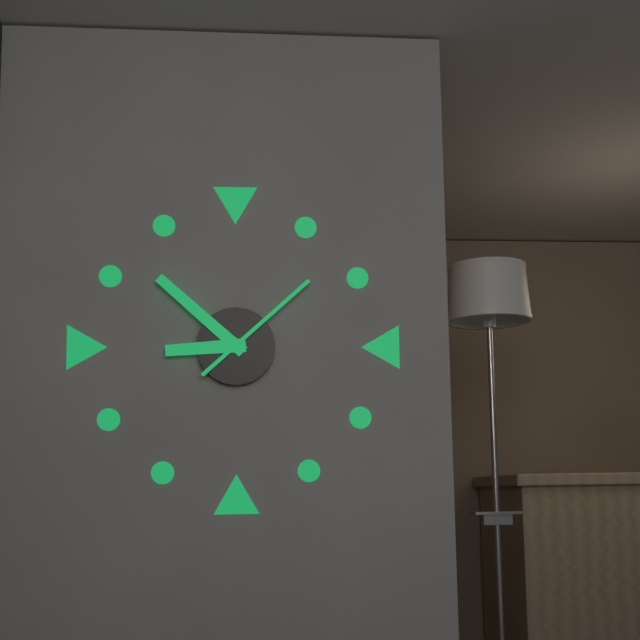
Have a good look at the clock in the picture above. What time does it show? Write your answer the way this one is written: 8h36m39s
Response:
8h52m08s
